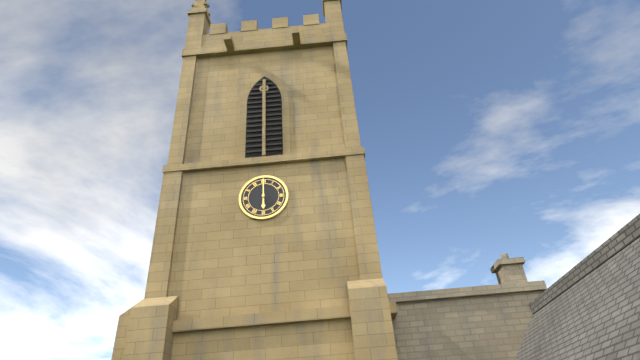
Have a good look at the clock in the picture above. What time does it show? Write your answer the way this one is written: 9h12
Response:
6h00
